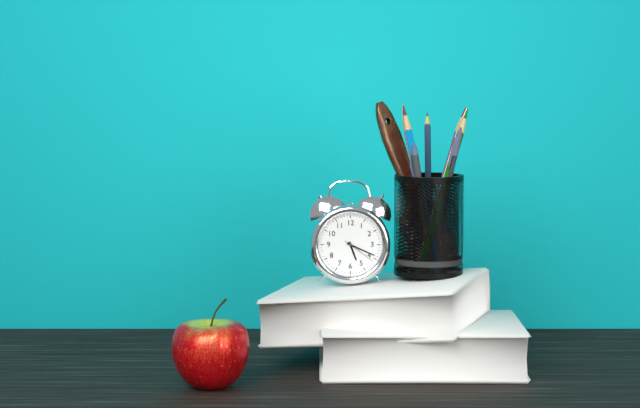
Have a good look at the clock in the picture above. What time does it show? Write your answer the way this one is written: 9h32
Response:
5h19
